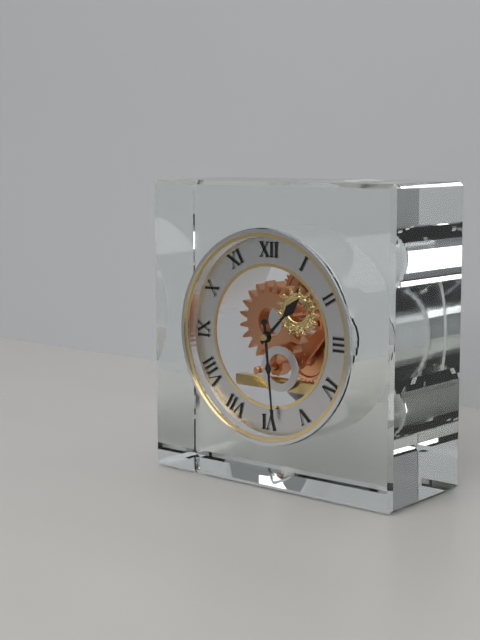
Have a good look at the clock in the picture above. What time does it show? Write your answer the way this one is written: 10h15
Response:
1h29
